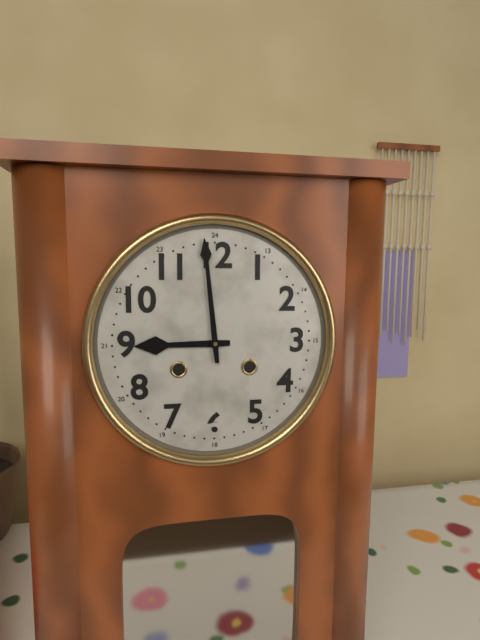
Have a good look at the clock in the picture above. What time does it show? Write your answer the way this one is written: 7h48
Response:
8h59
